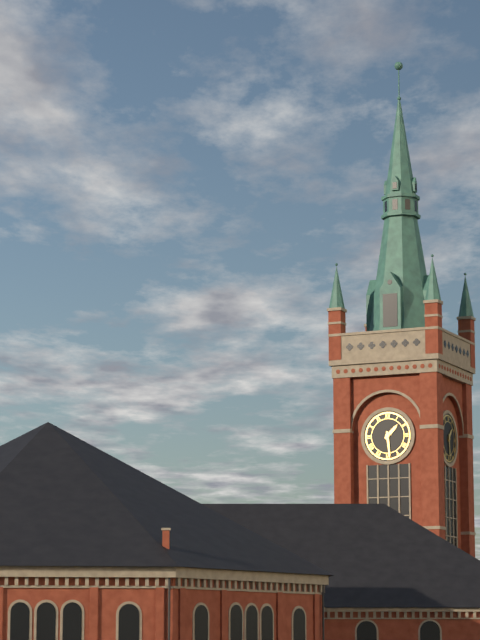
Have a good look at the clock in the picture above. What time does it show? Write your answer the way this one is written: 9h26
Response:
1h29
